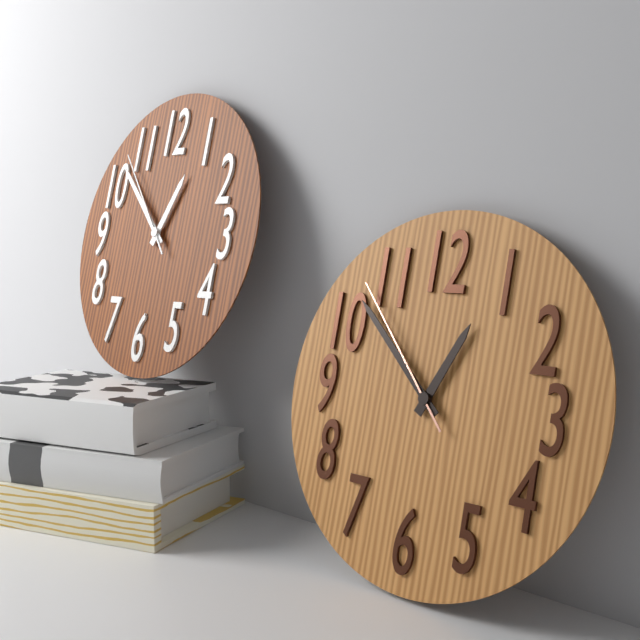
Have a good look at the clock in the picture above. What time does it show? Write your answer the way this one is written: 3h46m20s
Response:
12h52m53s
